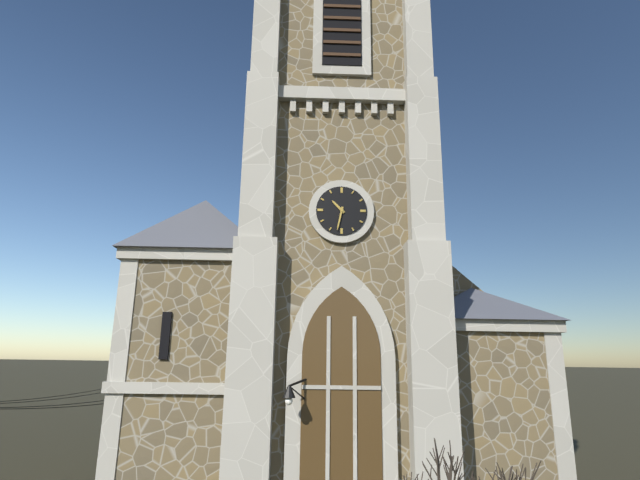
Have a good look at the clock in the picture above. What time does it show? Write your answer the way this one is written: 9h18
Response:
10h32
